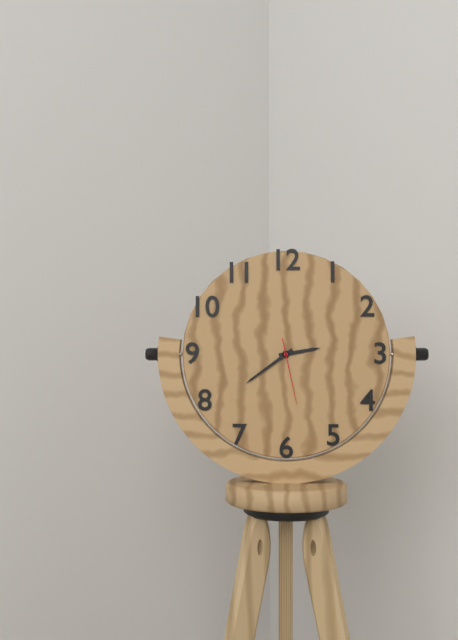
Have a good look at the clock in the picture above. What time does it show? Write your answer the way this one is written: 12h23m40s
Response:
2h39m28s
